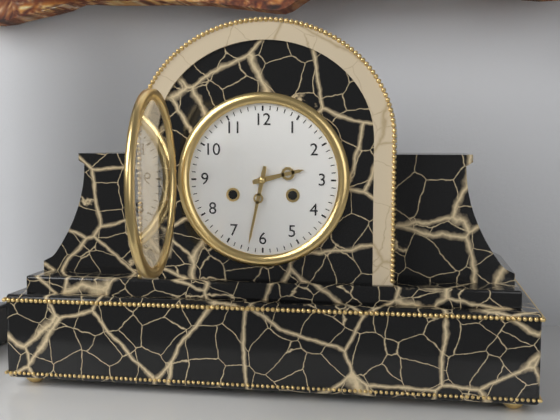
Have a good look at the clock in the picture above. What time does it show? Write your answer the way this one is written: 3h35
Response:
2h32
